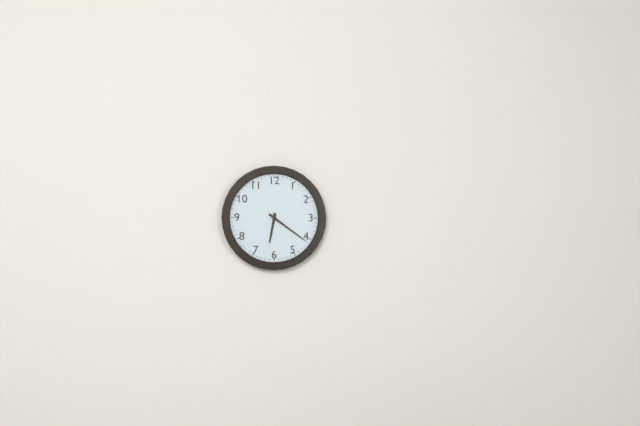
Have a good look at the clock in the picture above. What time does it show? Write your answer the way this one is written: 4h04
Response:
6h21
